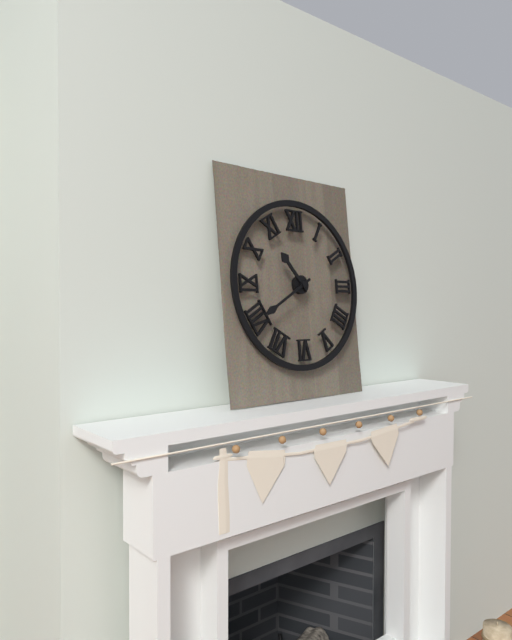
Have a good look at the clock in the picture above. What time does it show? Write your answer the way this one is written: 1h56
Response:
10h40
